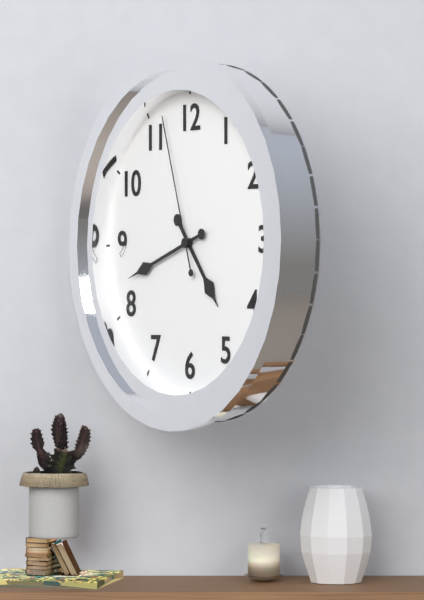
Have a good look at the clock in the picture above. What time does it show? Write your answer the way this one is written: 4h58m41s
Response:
4h42m57s
